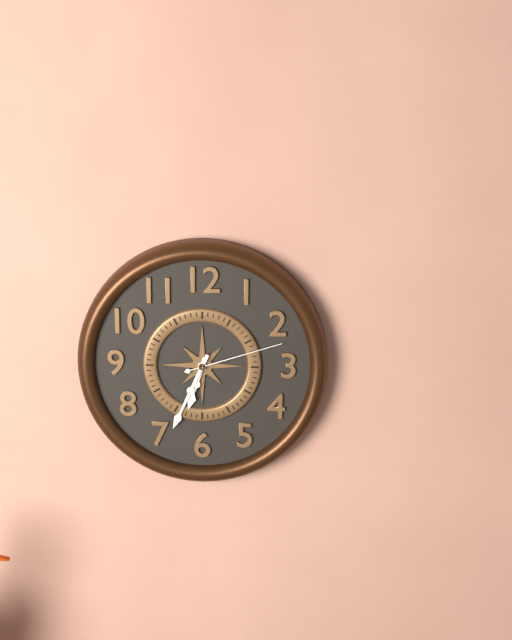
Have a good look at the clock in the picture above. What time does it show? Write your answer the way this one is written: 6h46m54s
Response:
6h34m12s
